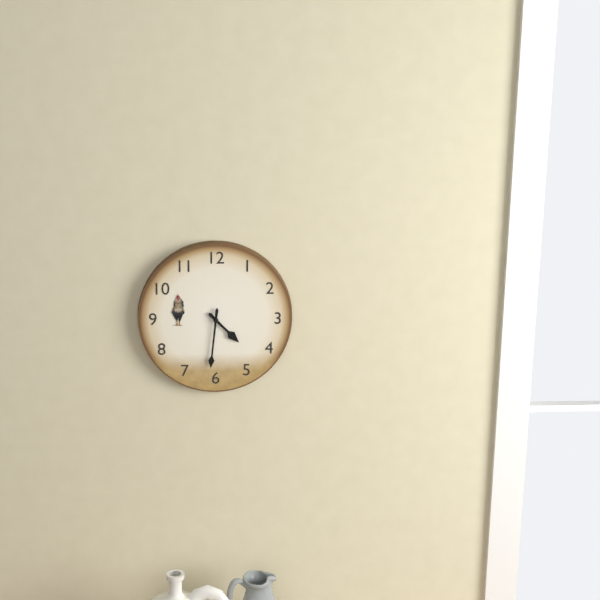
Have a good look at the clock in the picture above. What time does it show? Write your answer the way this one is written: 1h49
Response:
4h31
